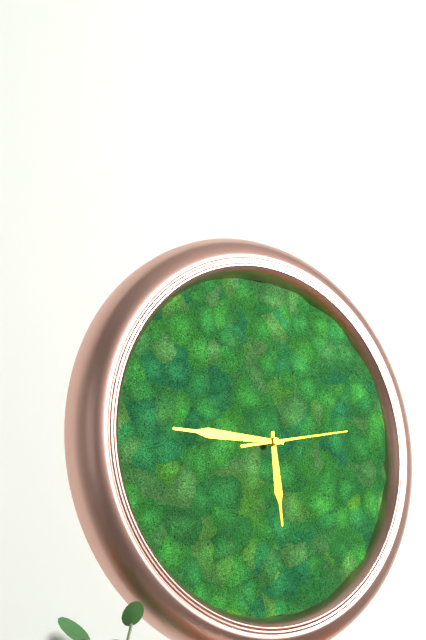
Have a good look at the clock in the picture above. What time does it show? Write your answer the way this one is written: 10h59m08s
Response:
5h45m13s
